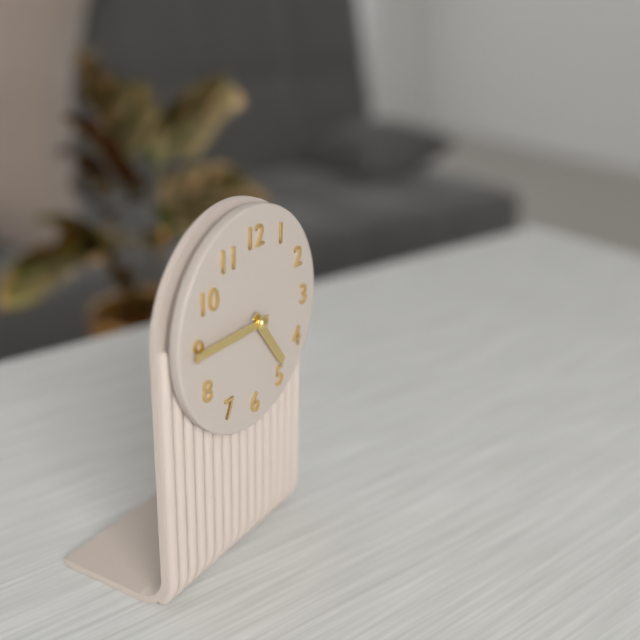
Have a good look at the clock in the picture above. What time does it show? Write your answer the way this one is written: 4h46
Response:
4h45
